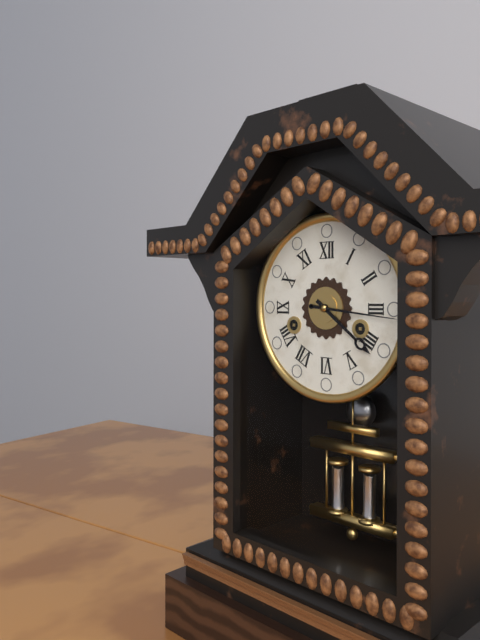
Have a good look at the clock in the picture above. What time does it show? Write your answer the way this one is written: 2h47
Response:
4h16
